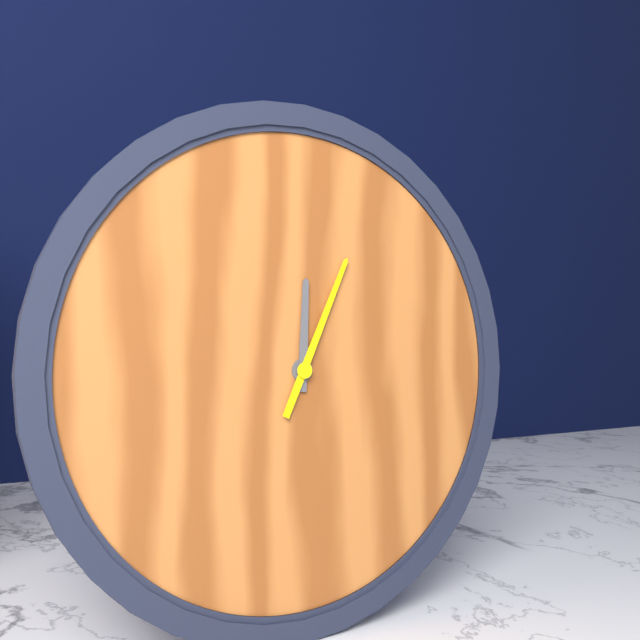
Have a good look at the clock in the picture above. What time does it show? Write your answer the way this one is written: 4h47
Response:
12h04
